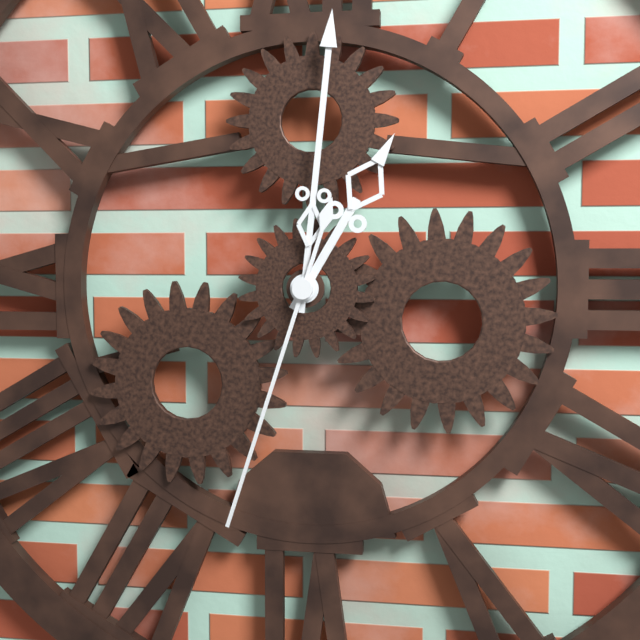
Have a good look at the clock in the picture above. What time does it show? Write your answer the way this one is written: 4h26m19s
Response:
1h01m33s
